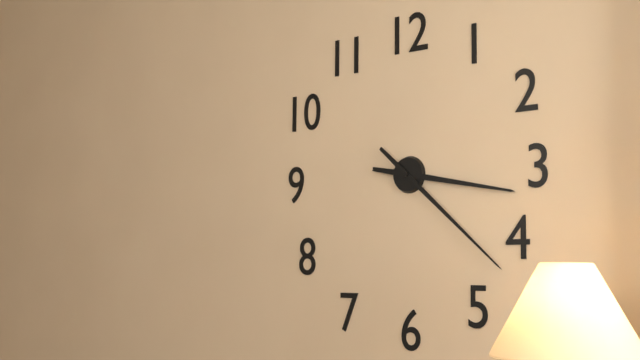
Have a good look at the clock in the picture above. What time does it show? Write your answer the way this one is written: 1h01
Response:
3h22
